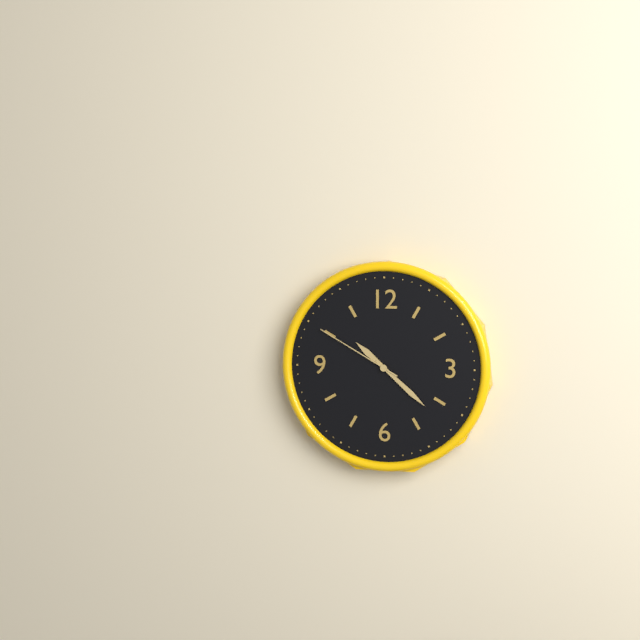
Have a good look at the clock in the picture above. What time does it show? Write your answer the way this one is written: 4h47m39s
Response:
10h22m50s
